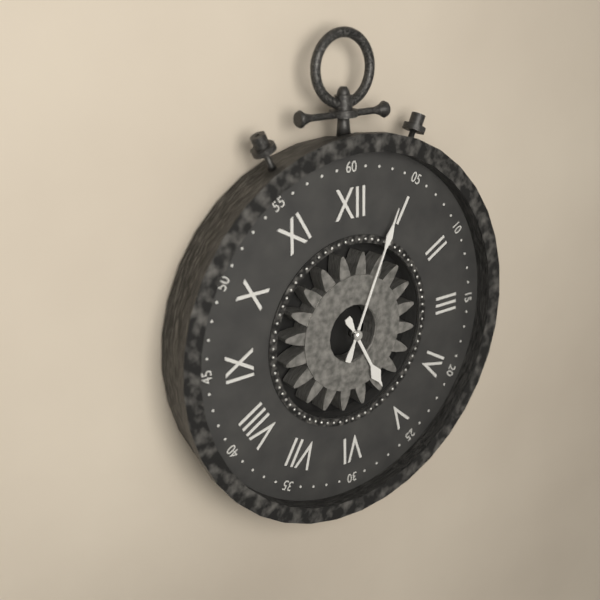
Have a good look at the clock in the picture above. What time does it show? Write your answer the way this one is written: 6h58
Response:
5h04
